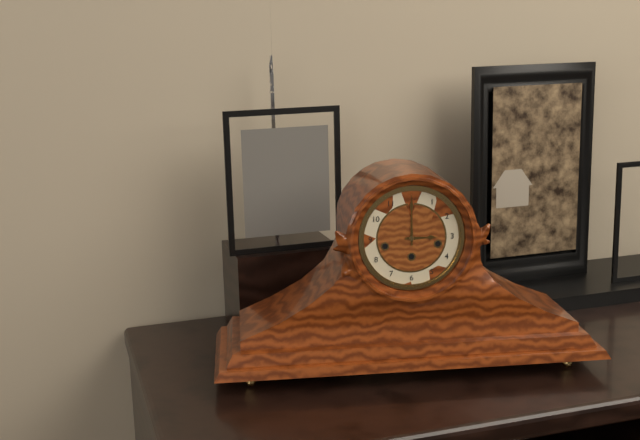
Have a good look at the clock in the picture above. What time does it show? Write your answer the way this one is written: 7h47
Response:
3h00
